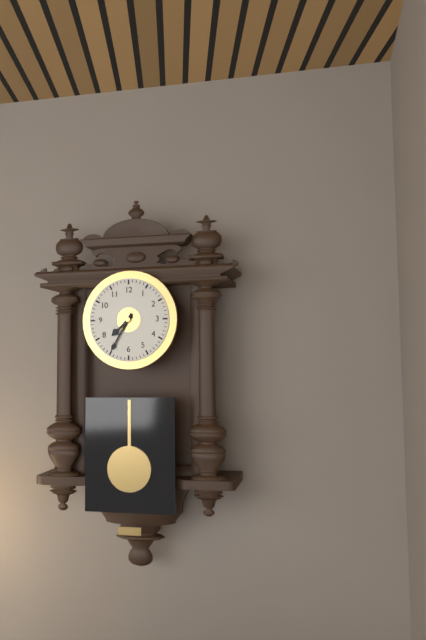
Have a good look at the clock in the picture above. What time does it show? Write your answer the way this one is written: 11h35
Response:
7h35
